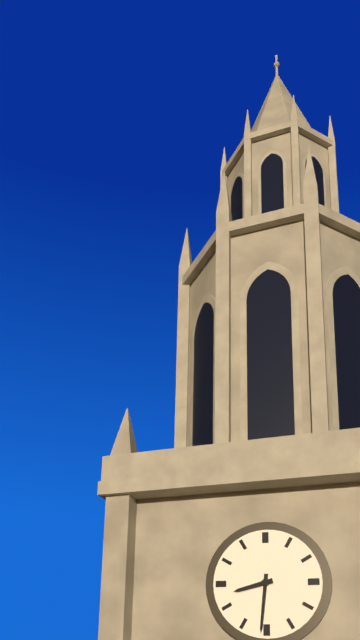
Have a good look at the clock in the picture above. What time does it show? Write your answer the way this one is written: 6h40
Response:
8h31
